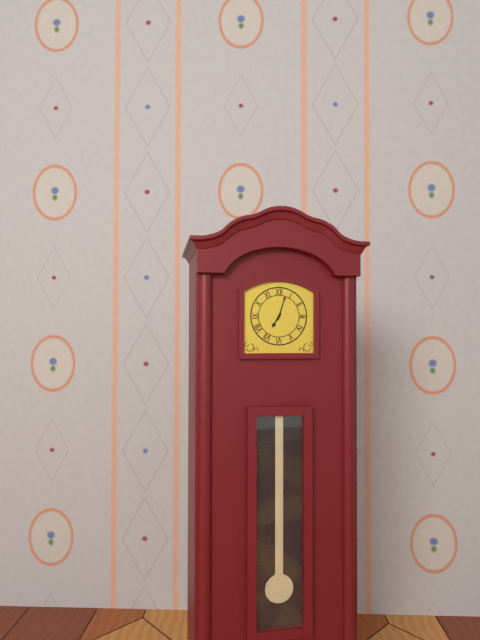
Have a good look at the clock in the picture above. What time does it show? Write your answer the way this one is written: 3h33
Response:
7h03
